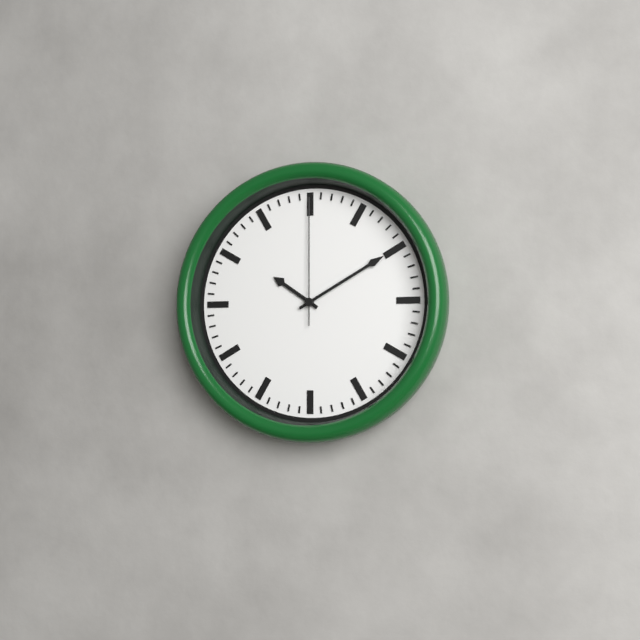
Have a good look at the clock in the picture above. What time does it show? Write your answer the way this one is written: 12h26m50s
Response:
10h10m00s
